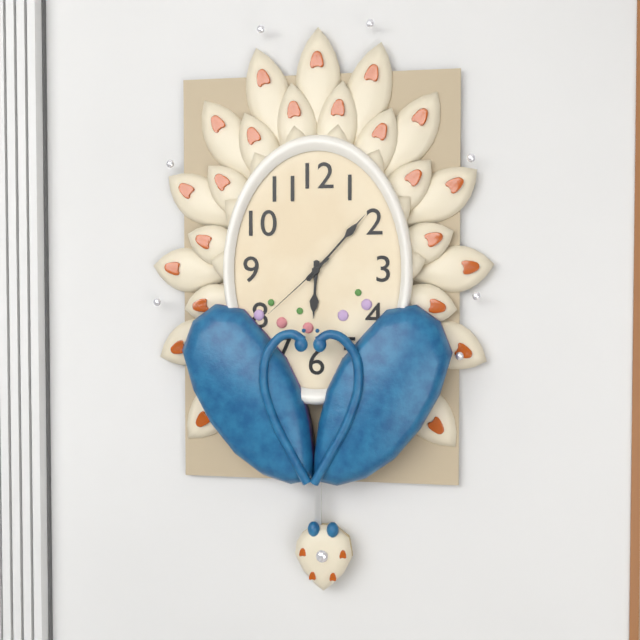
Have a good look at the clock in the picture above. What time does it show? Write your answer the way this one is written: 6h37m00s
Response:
6h07m38s
